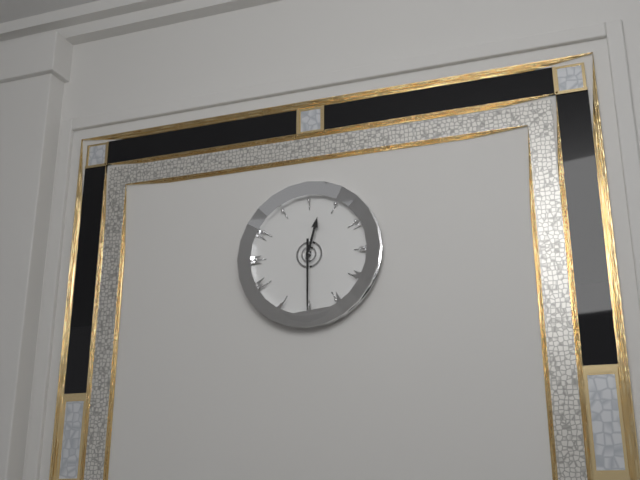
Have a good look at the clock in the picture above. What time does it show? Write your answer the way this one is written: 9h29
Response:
12h30
